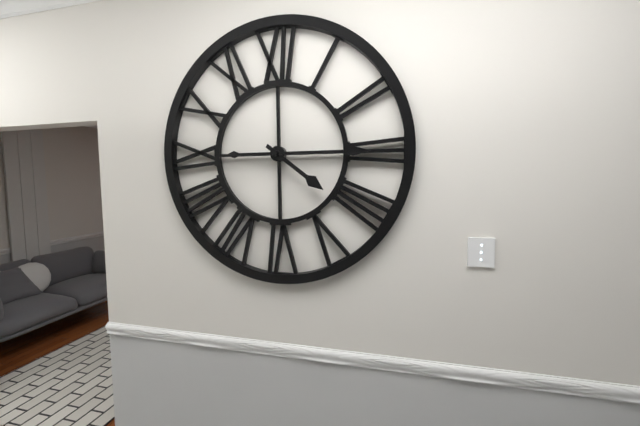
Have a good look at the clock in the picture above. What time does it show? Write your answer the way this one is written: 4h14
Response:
4h15
